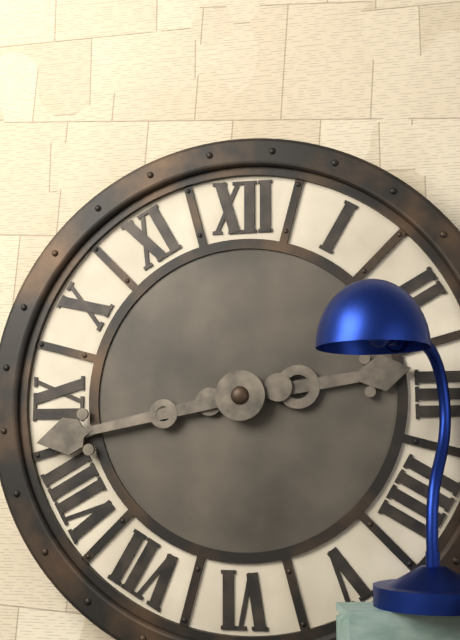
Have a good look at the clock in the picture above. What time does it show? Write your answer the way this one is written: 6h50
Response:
2h43
